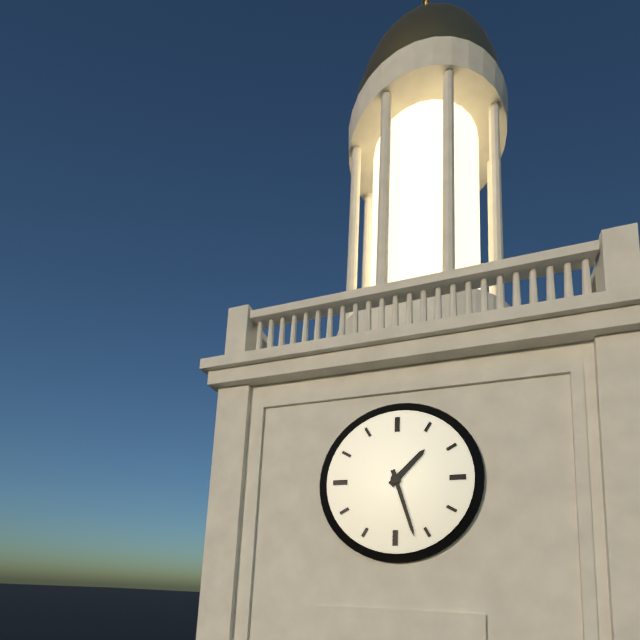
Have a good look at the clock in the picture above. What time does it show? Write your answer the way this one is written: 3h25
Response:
1h27
